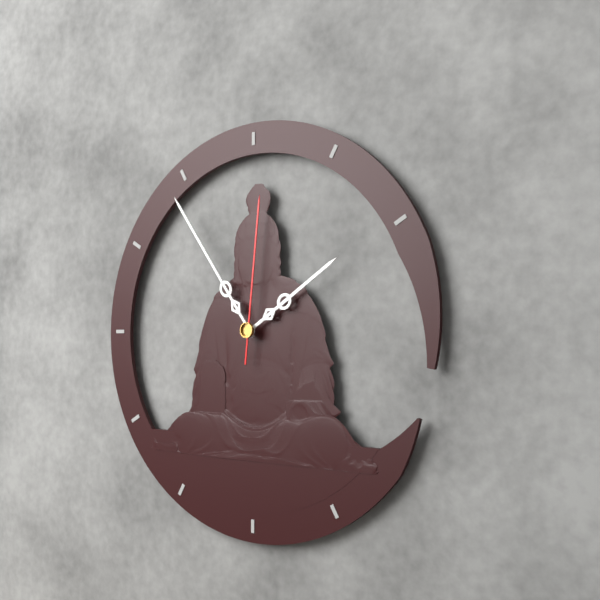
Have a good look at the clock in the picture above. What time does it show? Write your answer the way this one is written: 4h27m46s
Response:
1h54m01s
